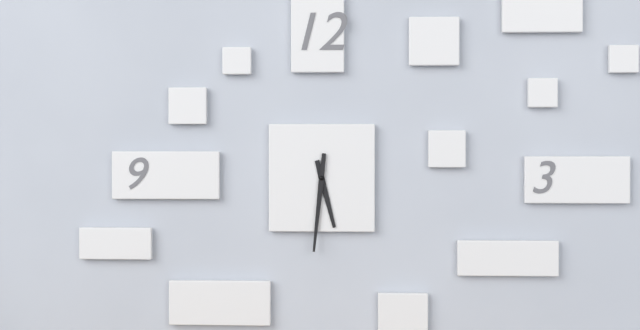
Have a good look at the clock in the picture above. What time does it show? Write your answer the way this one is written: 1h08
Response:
5h31
